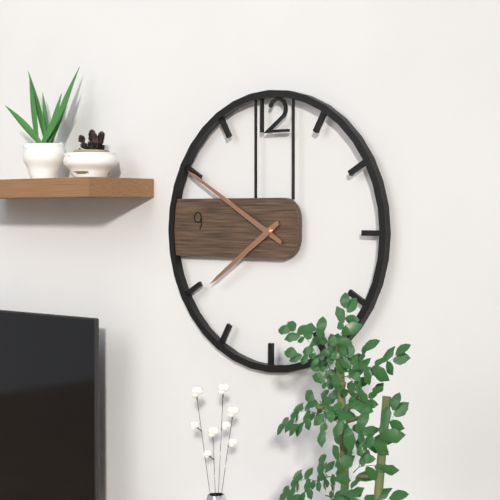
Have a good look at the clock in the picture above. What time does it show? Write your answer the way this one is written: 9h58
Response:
7h50
